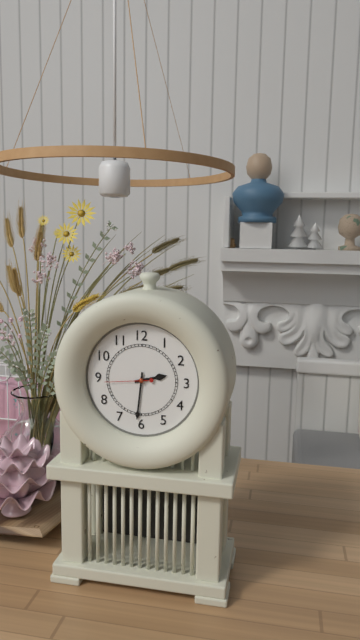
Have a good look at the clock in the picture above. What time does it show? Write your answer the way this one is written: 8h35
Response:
2h31
